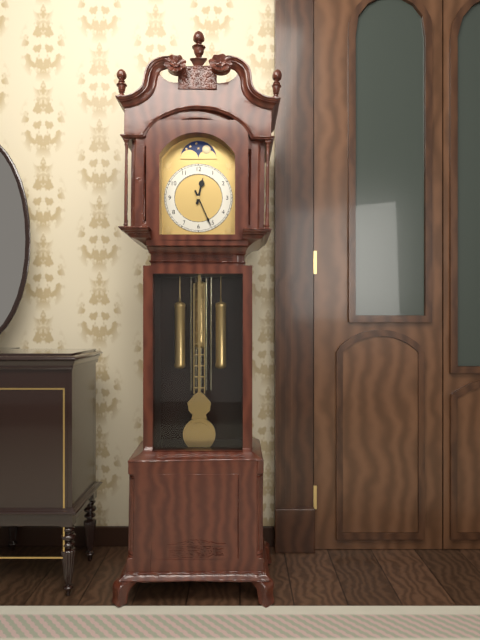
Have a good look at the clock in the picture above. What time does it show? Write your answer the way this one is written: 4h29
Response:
12h26
